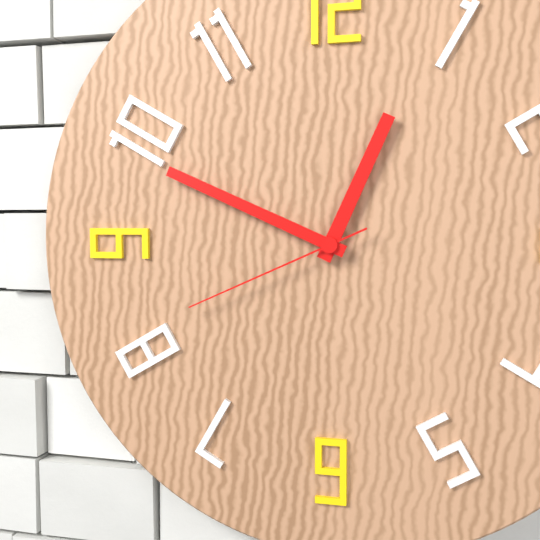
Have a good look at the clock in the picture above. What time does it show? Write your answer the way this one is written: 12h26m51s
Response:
12h49m41s
